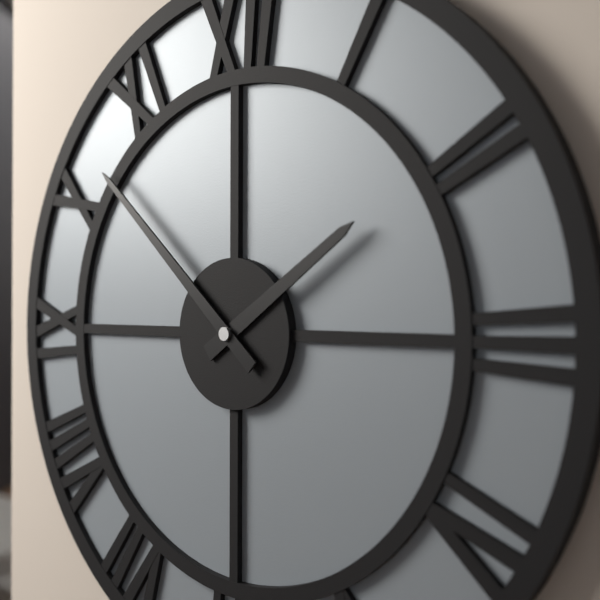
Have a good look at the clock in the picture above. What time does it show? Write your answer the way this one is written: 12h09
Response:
1h52
